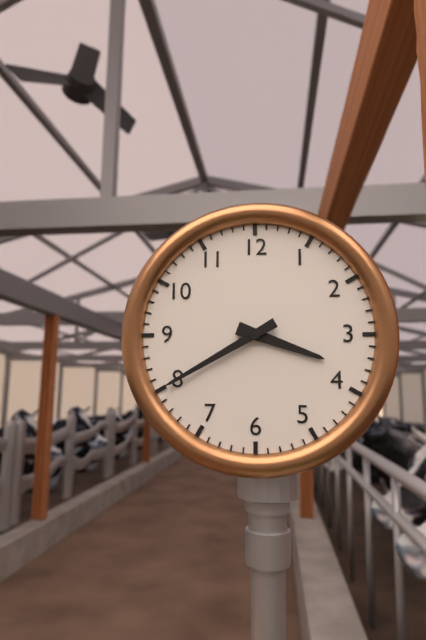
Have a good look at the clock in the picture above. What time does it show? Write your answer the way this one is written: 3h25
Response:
3h40
